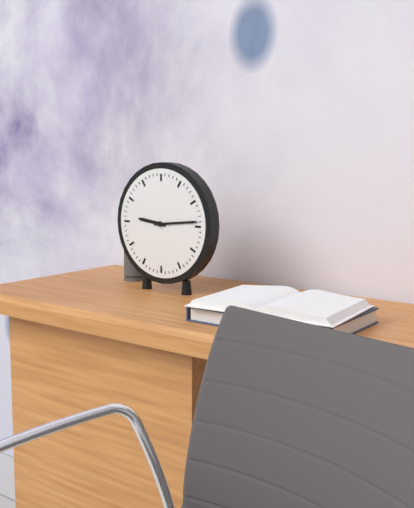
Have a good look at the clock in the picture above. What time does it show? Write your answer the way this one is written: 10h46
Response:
9h14
